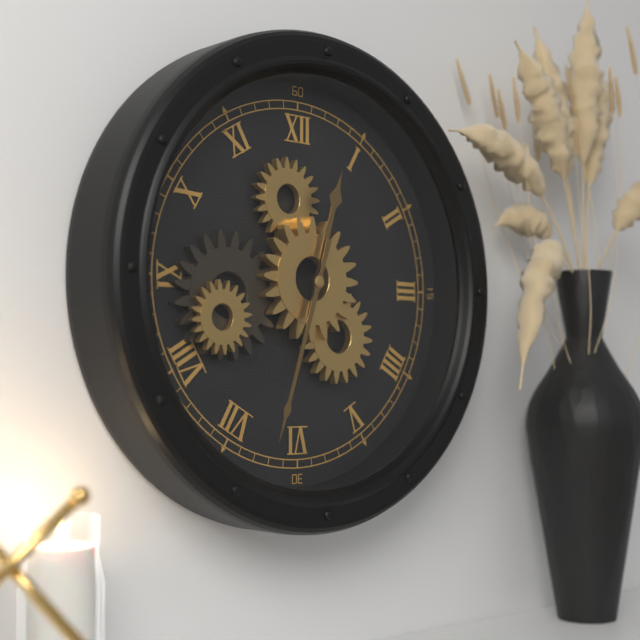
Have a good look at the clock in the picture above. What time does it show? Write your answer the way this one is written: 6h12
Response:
12h33
